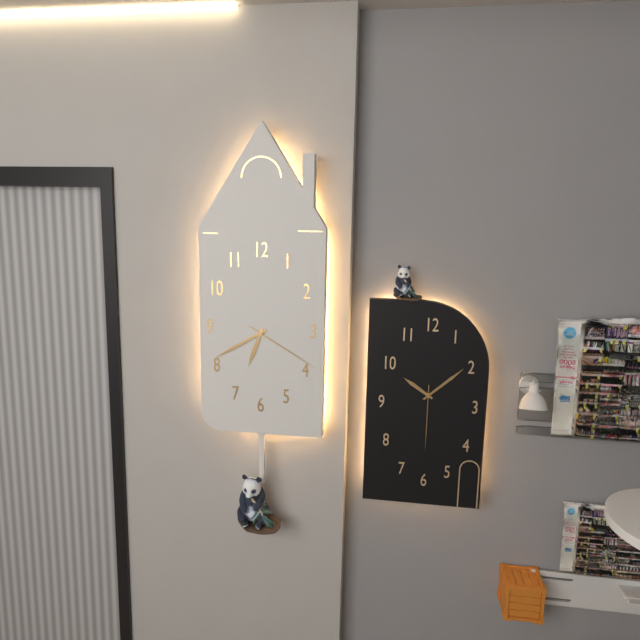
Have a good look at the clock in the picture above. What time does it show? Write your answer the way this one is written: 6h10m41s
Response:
6h40m20s
